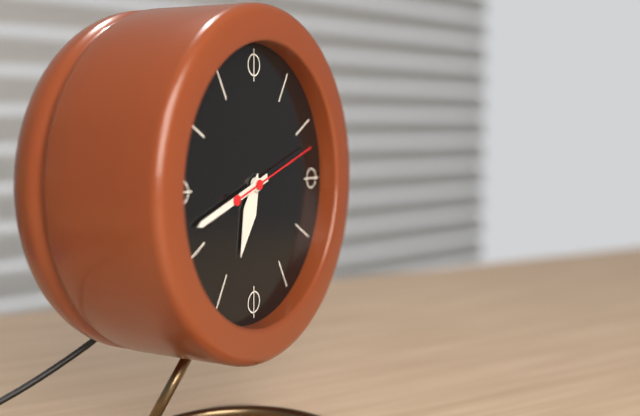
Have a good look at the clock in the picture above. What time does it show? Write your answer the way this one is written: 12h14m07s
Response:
6h42m12s
